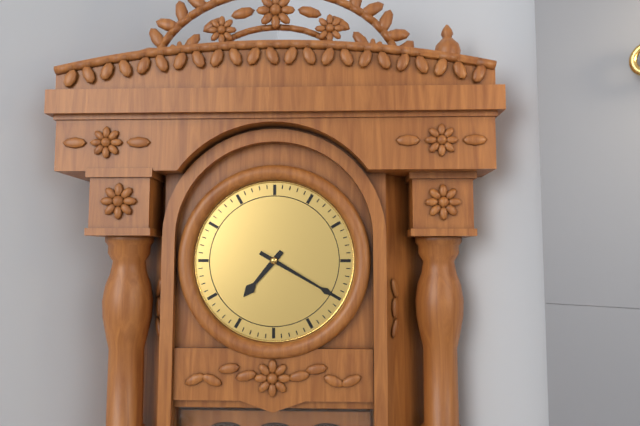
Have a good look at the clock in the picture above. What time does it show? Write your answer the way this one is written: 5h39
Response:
7h20
